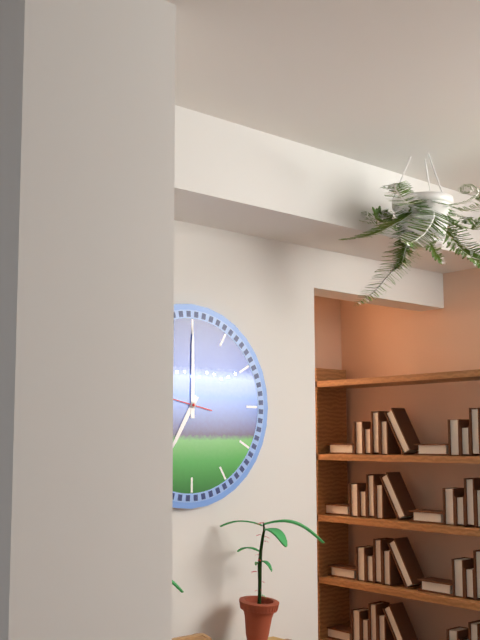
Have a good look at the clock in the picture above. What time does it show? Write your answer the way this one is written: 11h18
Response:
7h00
